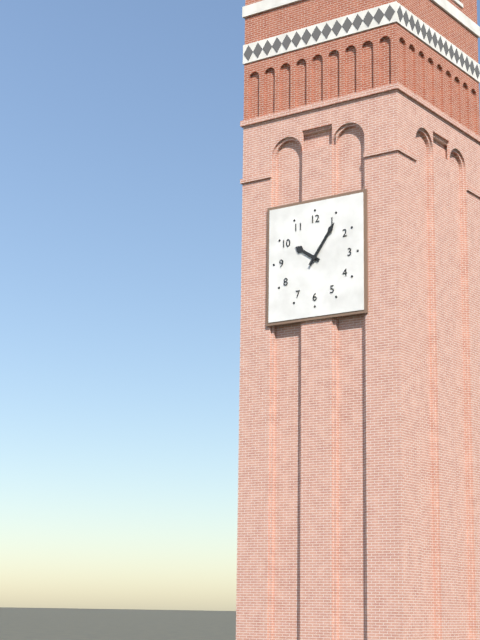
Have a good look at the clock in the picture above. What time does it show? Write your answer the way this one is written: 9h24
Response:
10h06
